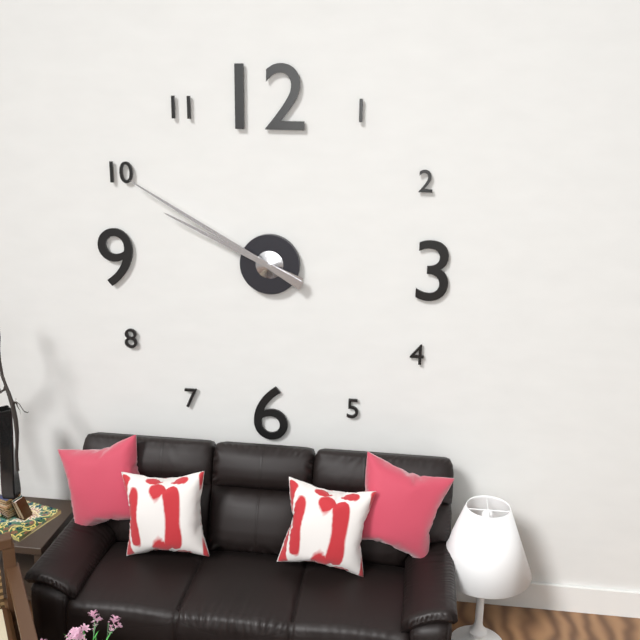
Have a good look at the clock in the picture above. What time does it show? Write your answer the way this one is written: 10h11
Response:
9h50
